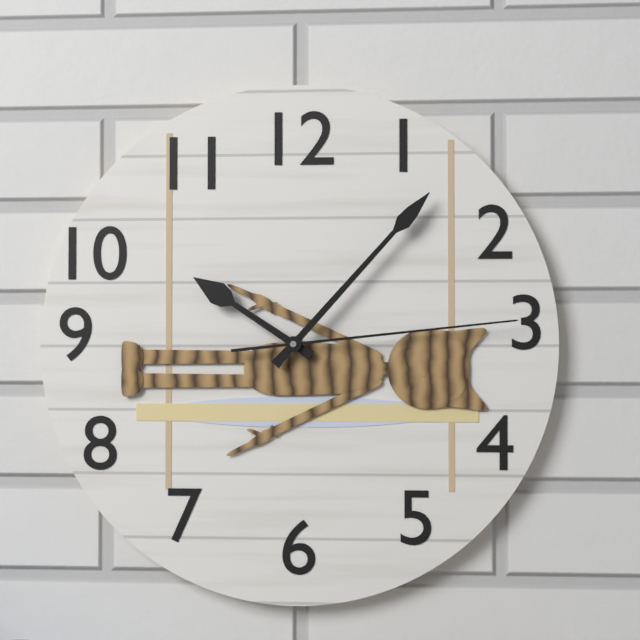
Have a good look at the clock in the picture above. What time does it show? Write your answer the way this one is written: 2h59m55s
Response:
10h07m14s
